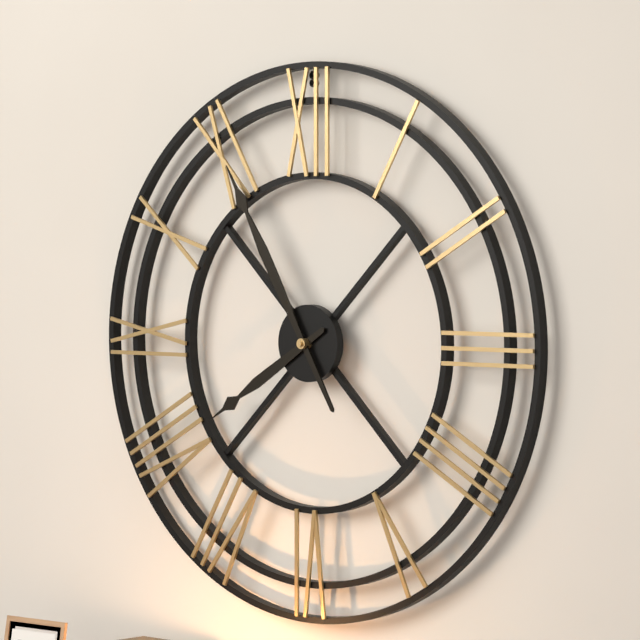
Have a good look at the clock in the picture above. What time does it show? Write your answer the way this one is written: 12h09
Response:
7h55
